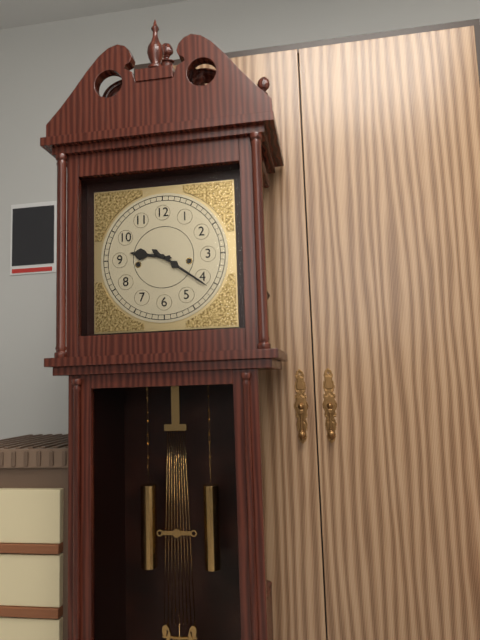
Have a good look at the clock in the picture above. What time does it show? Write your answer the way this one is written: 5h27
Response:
9h21
